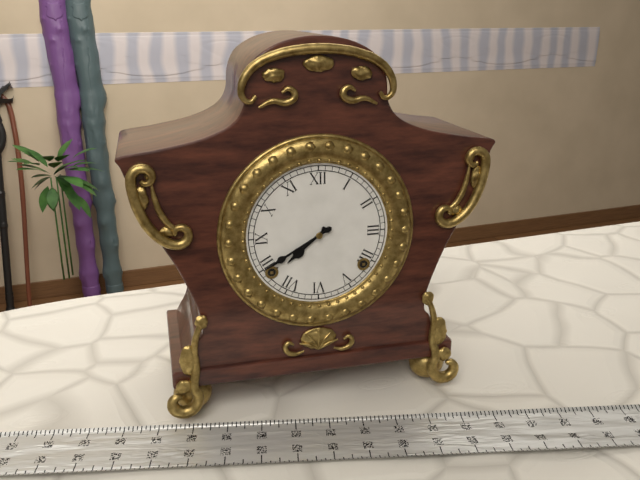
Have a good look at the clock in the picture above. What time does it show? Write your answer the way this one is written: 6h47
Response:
7h40
